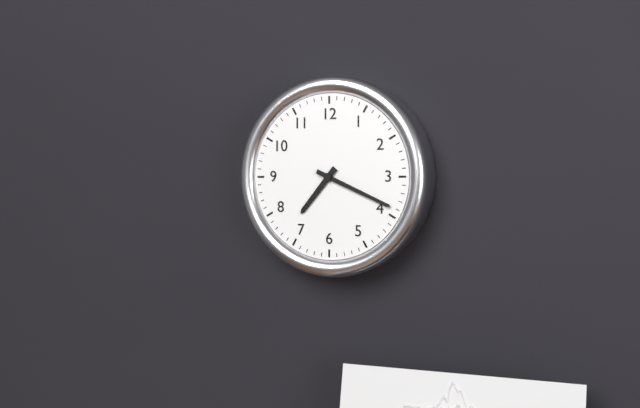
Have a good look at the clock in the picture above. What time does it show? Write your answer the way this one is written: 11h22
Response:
7h19
